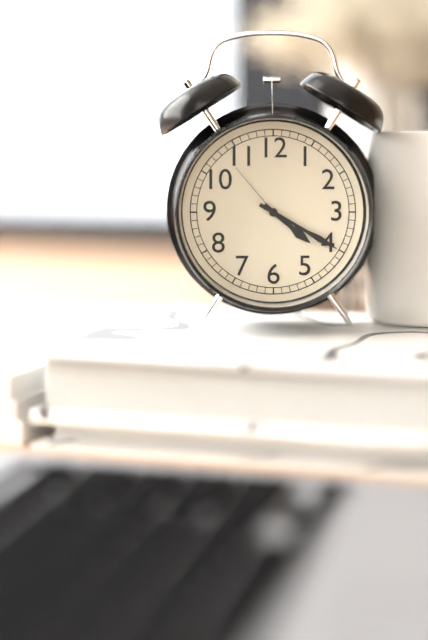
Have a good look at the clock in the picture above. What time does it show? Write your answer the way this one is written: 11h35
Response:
4h20
